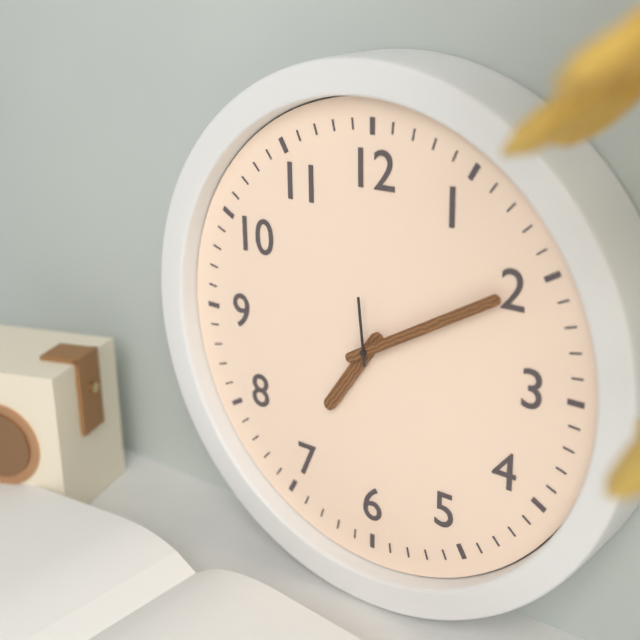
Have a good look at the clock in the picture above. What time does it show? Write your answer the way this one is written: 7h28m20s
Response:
7h10m59s
